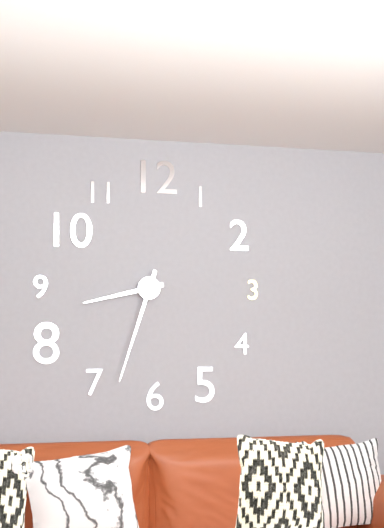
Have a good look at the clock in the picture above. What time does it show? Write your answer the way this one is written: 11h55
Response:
8h33
